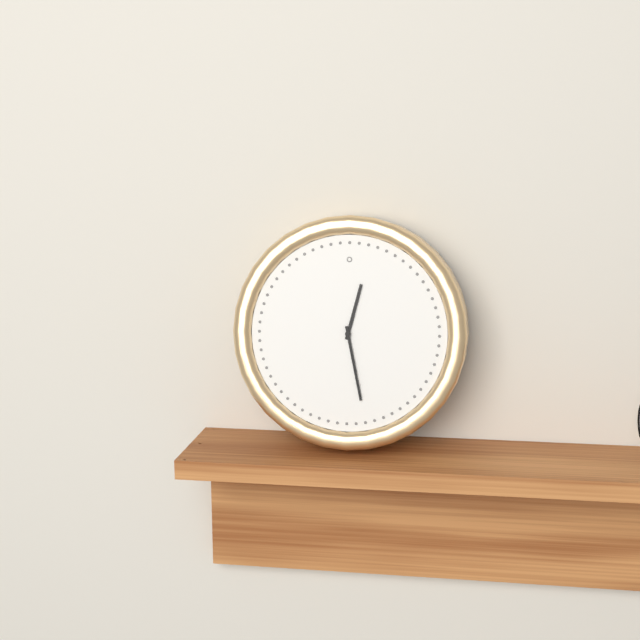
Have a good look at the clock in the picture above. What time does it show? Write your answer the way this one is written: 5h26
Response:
12h28
